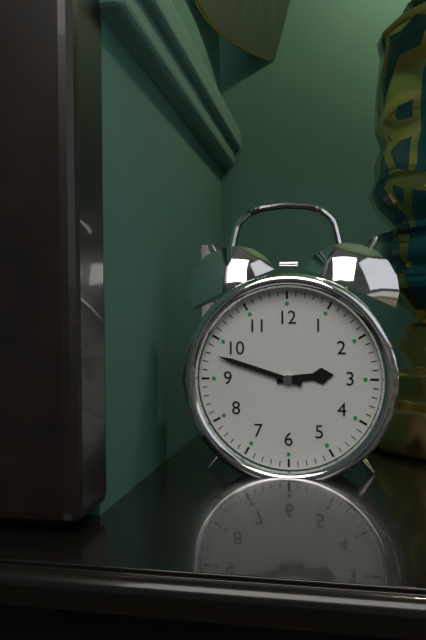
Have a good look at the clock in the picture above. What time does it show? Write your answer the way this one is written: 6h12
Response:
2h48
